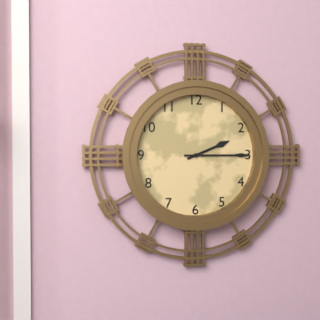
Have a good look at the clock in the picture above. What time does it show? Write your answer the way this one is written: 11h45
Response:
2h15
